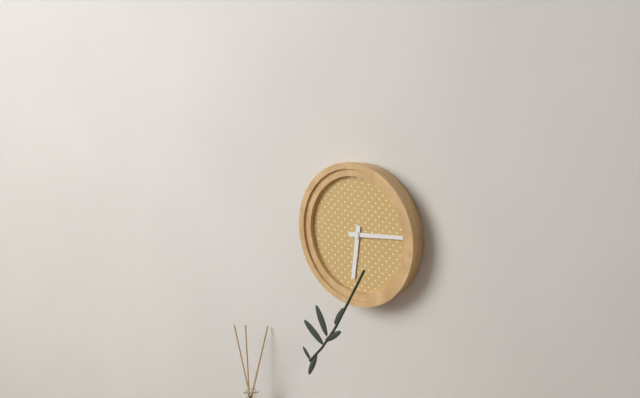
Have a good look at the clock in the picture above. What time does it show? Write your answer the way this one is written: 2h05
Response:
6h14
